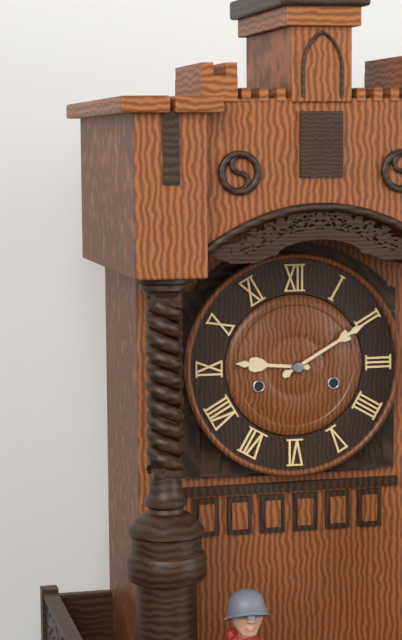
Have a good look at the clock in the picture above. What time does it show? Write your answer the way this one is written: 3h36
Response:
9h10
